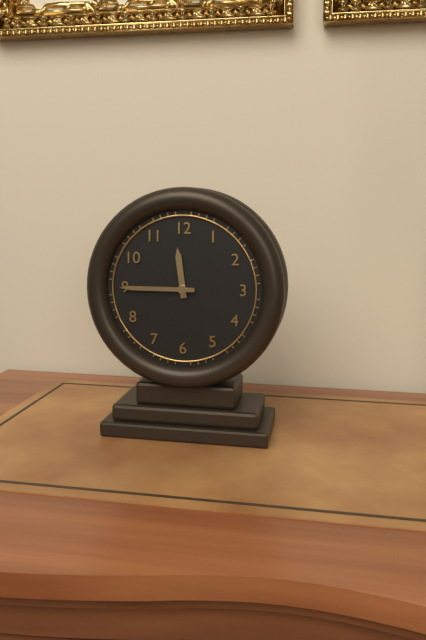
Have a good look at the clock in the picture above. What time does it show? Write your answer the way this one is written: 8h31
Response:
11h45
